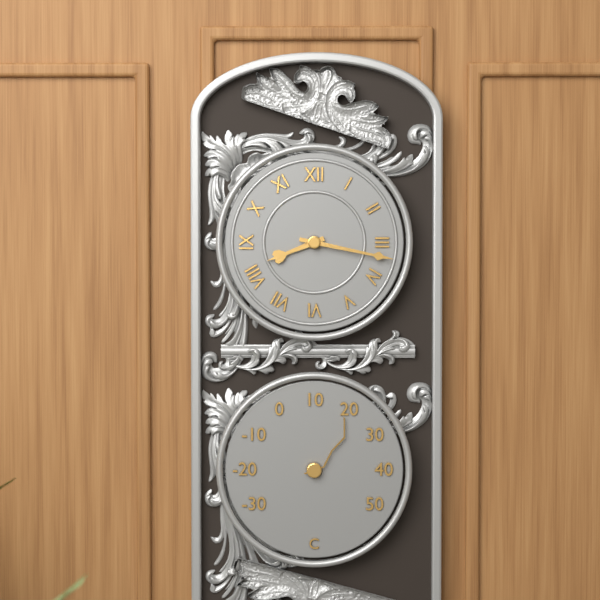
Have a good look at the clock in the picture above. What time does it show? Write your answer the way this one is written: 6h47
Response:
8h17
